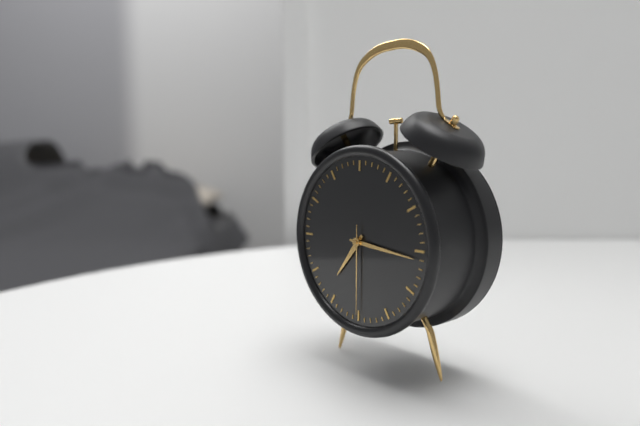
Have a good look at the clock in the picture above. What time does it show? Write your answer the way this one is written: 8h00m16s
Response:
7h16m30s
